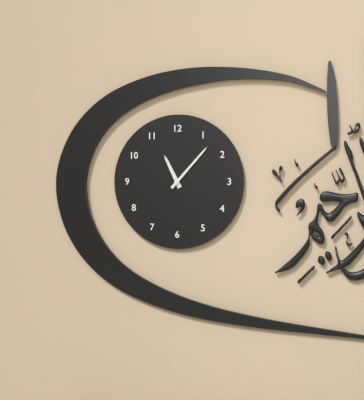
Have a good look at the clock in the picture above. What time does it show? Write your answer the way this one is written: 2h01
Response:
11h07
